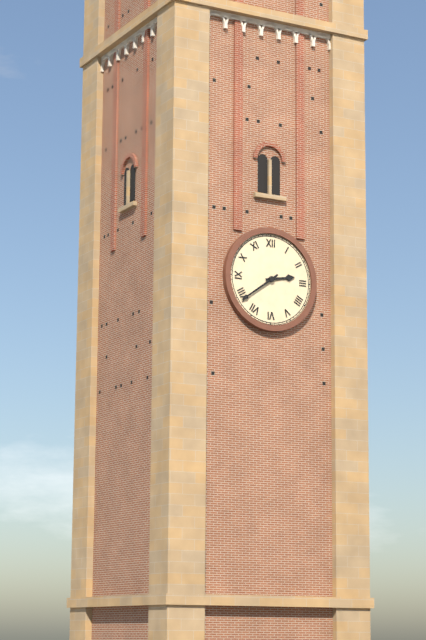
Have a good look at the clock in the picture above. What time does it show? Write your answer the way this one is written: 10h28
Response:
2h39
